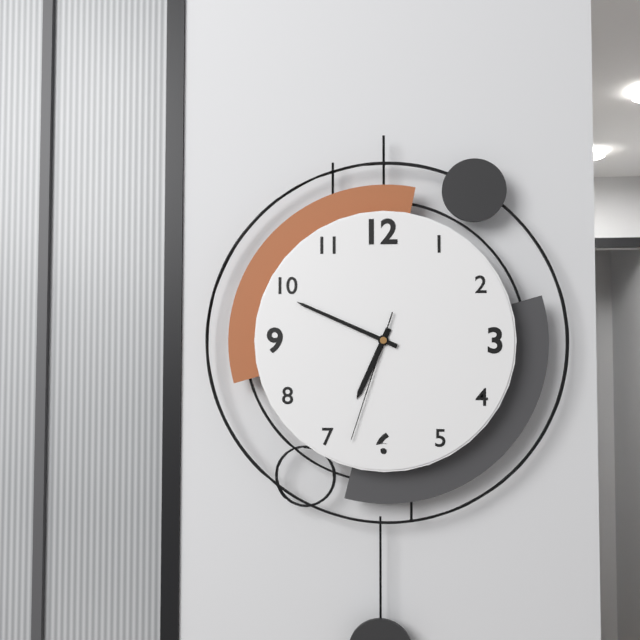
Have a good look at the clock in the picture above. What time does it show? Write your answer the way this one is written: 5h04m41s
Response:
6h49m33s
